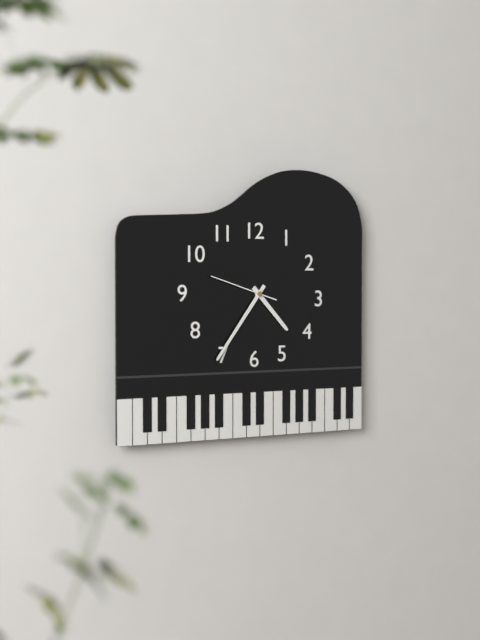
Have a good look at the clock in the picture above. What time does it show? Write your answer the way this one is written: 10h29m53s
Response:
4h36m48s
